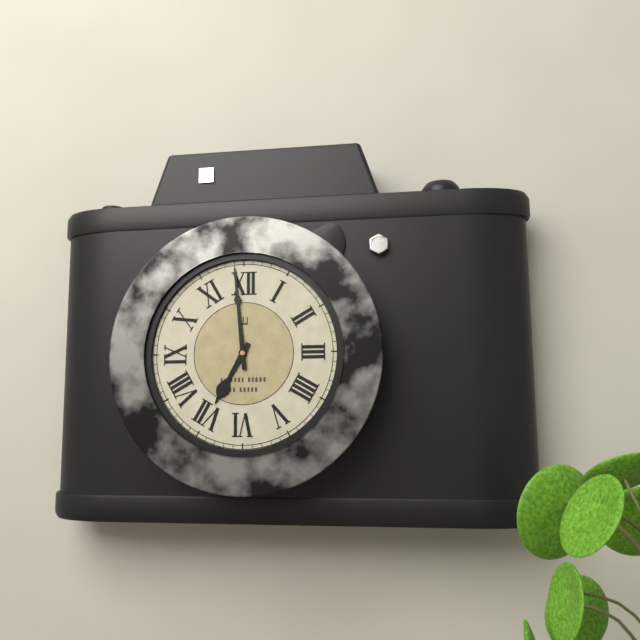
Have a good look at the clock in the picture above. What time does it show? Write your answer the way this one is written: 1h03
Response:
6h59
